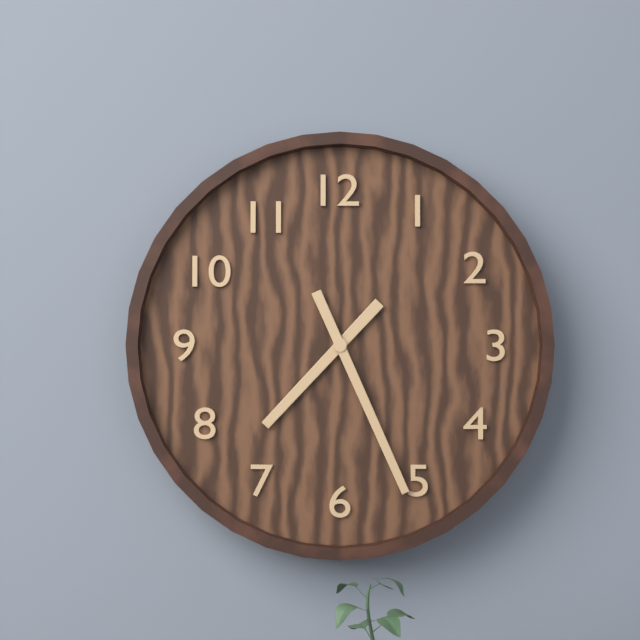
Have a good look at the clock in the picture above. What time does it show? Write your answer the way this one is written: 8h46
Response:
7h26
